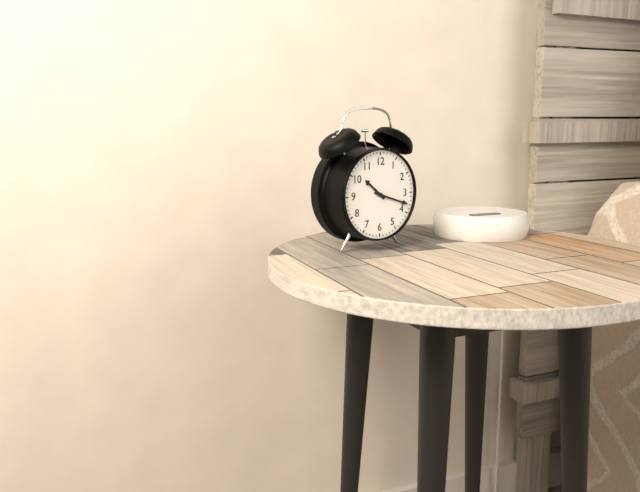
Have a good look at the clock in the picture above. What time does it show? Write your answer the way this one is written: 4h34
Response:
10h18
